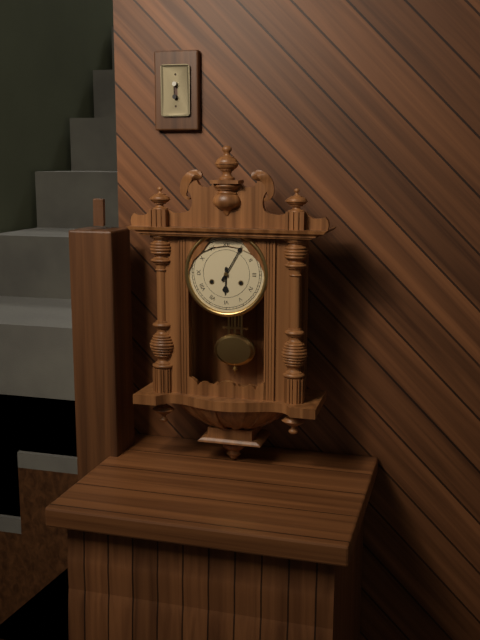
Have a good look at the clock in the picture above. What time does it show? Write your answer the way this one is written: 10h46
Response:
6h05
